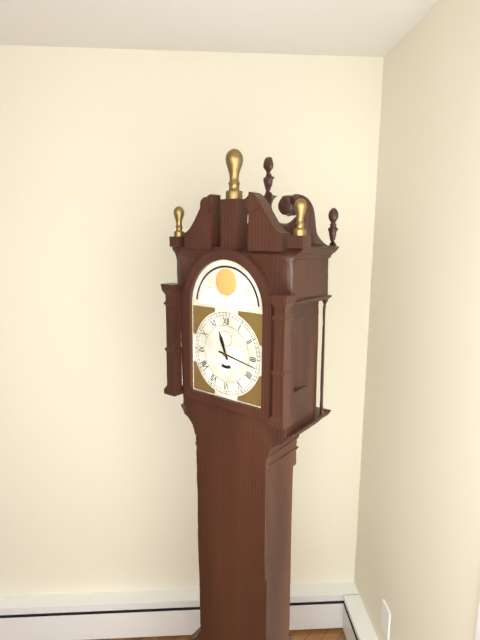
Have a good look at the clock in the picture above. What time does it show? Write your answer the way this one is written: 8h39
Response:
11h17
